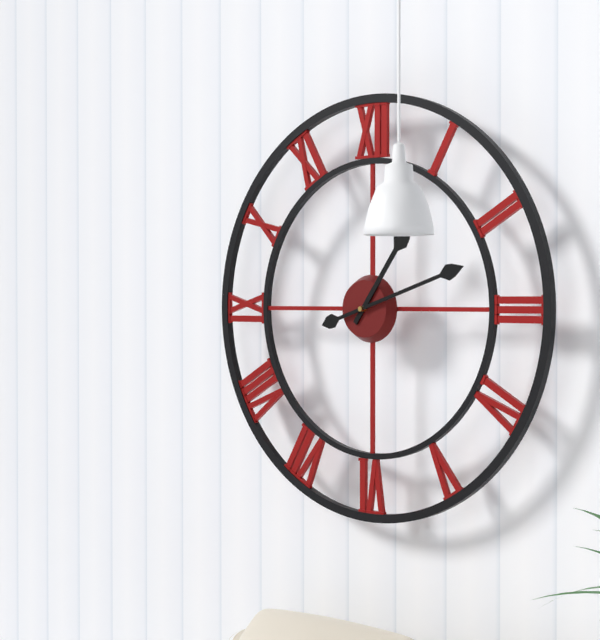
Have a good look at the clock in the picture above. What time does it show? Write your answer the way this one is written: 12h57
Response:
1h12
